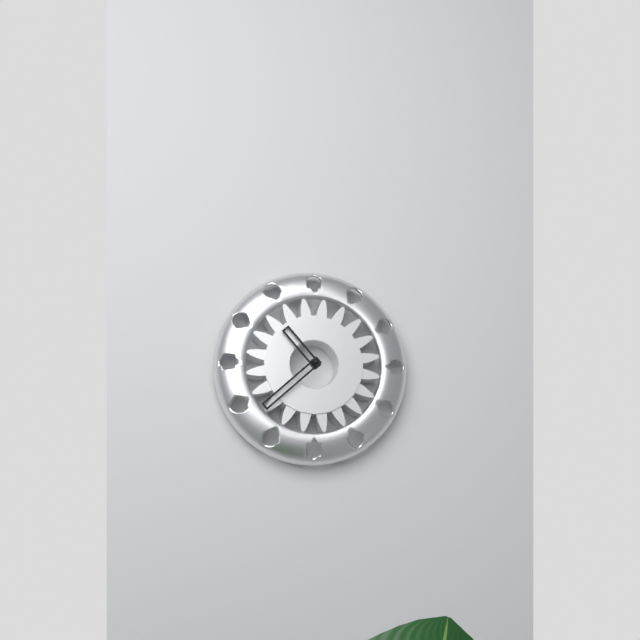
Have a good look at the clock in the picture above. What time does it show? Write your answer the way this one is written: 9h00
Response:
10h38
